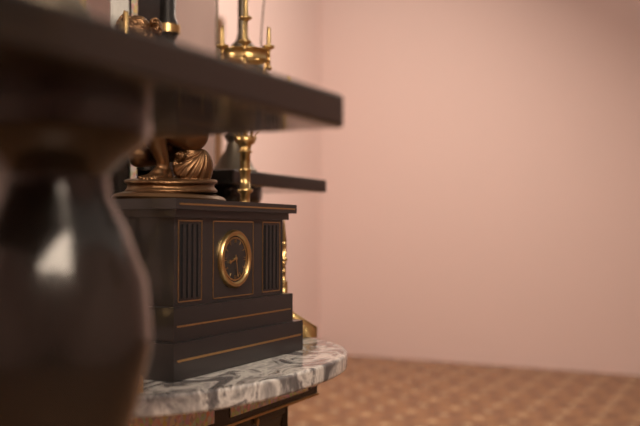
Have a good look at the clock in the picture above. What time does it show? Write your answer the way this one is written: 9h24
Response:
8h28
